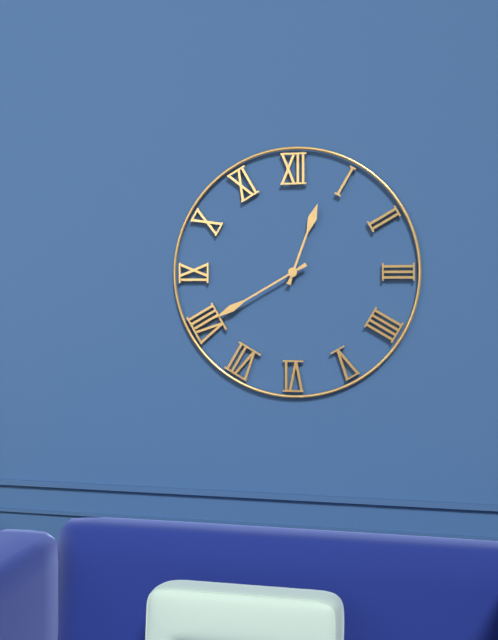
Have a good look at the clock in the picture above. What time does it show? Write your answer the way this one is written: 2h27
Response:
12h40
